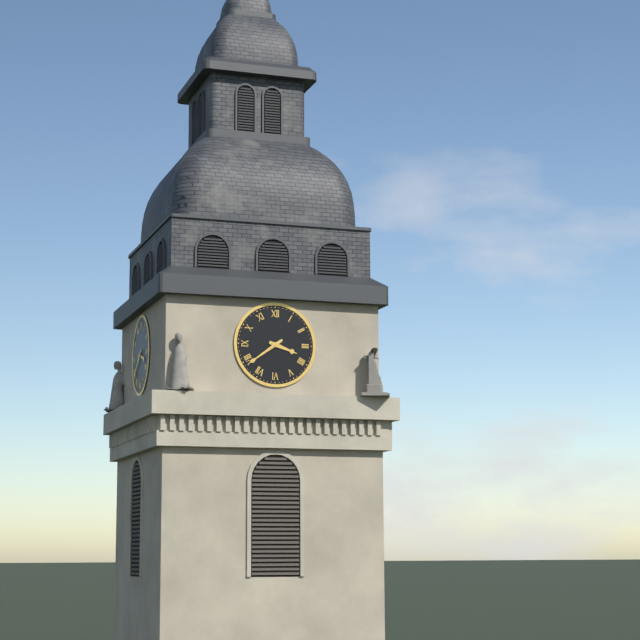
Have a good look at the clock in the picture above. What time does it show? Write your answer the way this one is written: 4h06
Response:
3h39
